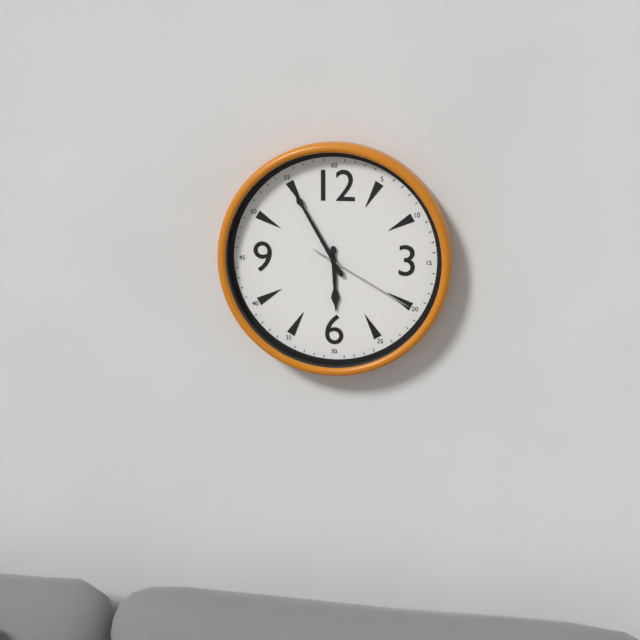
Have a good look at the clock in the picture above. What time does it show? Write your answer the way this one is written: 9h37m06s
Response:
5h55m20s
